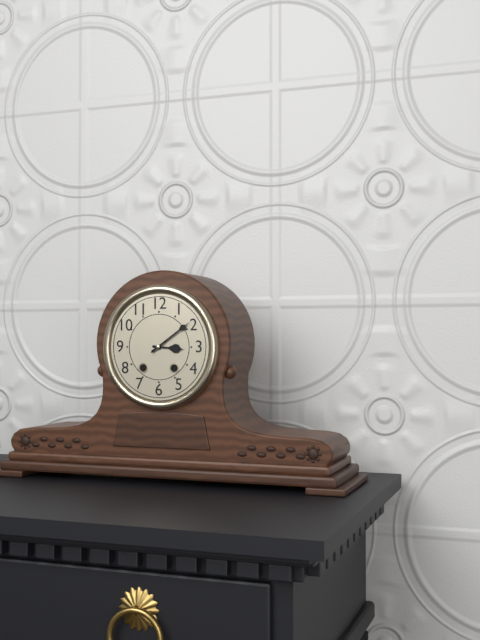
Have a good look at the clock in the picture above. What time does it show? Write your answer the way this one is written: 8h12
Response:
3h09
